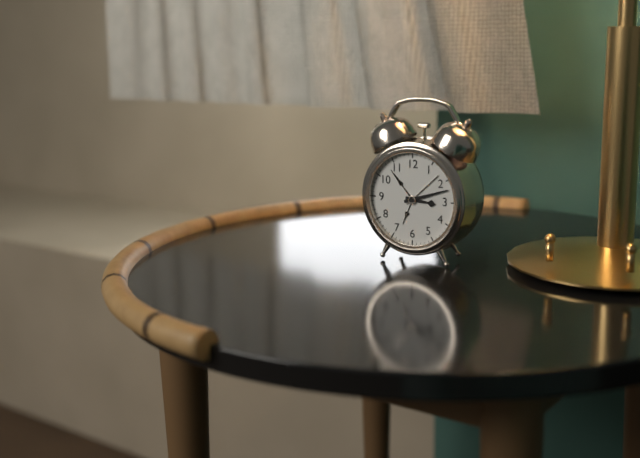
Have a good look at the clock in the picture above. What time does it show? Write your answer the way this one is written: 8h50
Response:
3h12
